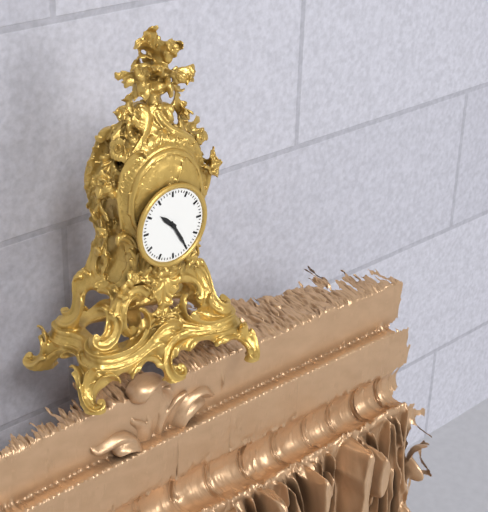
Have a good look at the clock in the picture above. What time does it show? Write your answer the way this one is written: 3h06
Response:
10h25
